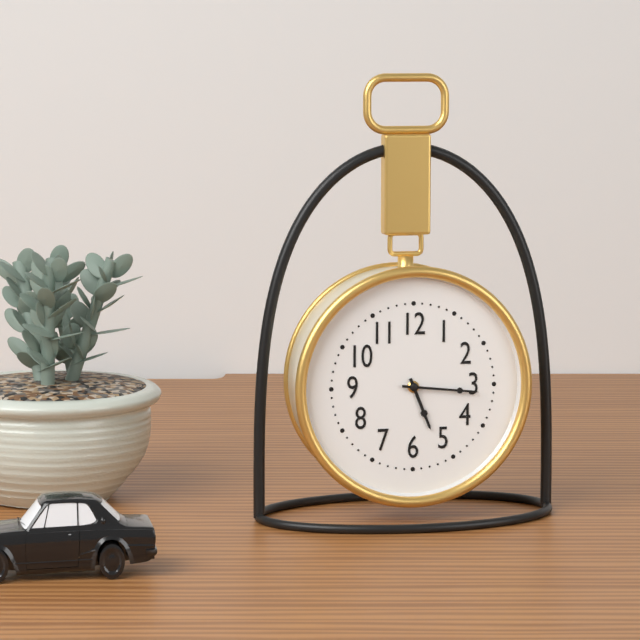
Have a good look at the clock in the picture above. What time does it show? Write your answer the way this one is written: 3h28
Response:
5h16
